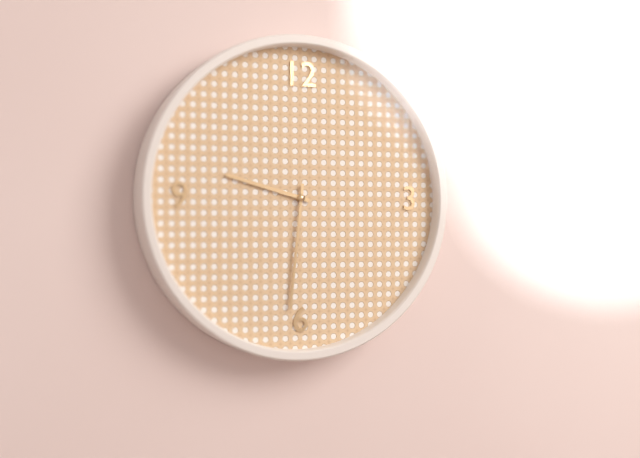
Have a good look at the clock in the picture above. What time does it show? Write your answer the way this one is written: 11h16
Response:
9h31
